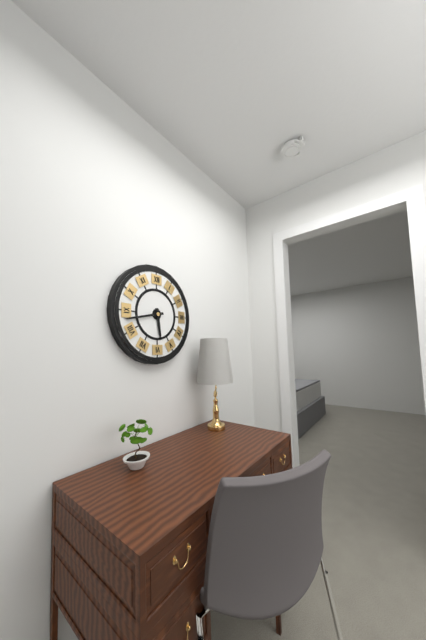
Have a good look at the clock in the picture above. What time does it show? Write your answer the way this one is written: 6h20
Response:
5h43
